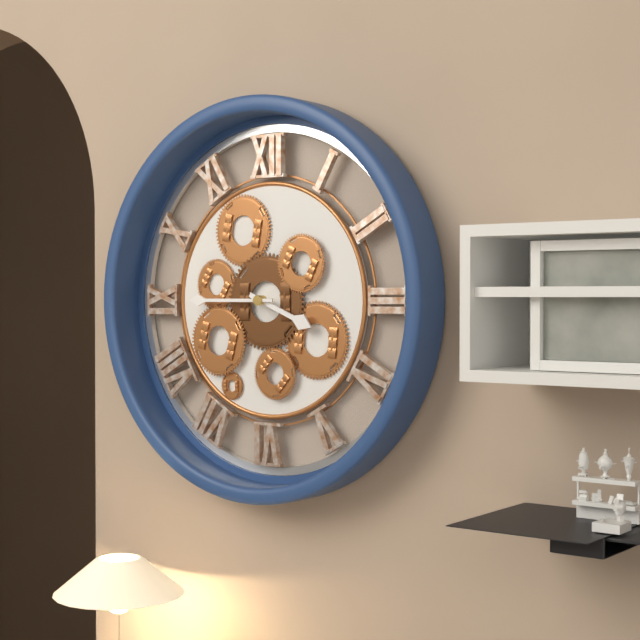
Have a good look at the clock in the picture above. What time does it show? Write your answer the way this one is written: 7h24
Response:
3h45
